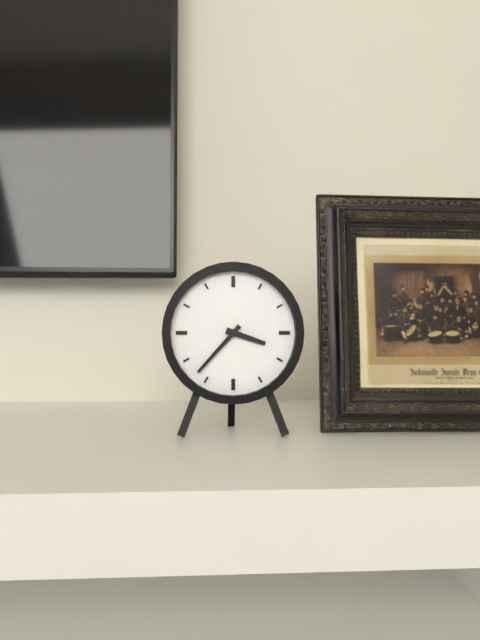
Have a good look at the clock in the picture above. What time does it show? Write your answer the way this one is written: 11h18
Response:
3h37
